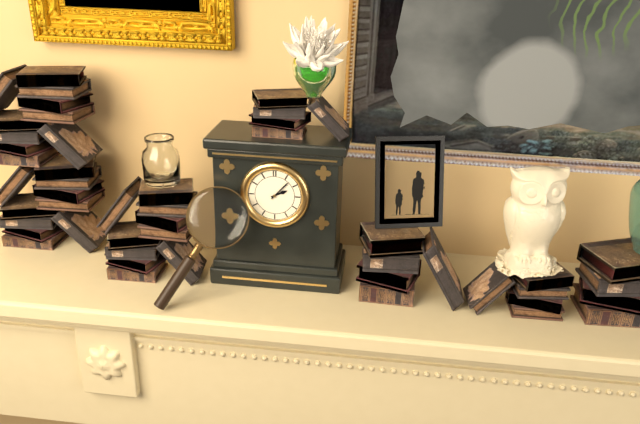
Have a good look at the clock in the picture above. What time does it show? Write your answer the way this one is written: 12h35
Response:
2h07
